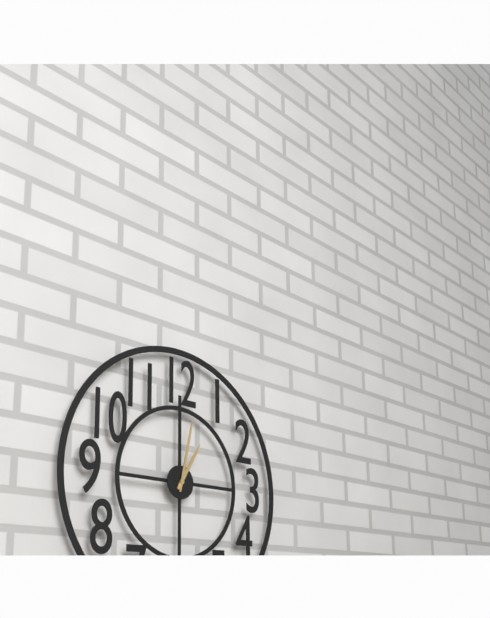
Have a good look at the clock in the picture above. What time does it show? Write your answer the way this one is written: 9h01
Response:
1h02
